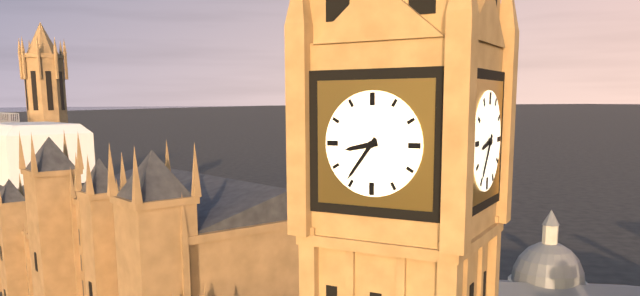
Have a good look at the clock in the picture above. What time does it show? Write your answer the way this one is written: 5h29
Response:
8h36
